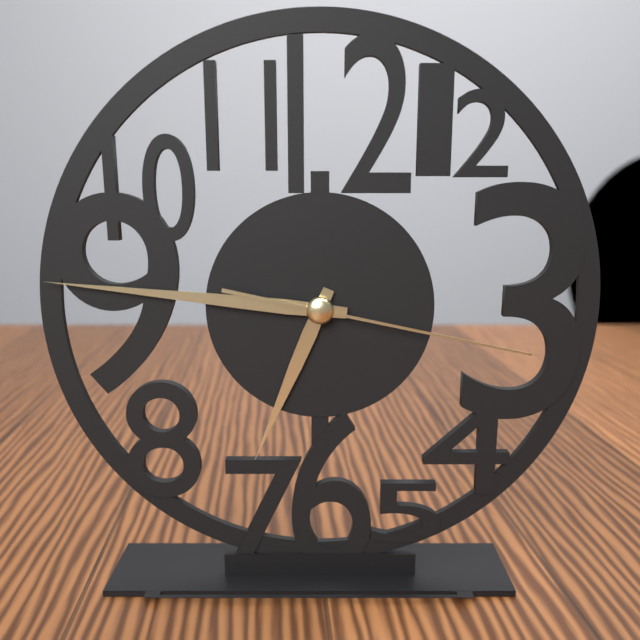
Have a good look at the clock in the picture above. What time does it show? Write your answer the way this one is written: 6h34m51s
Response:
6h46m17s
